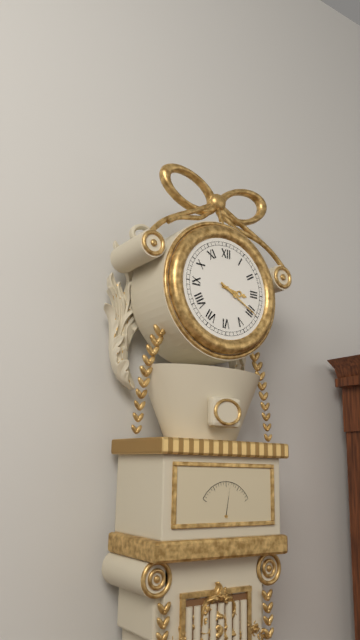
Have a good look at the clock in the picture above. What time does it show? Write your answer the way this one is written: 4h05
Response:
3h20
